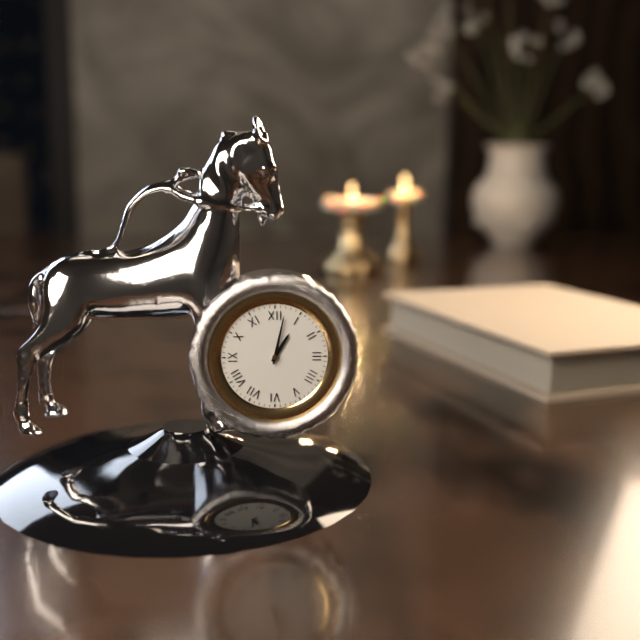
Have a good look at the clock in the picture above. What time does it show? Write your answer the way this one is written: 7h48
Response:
1h02
